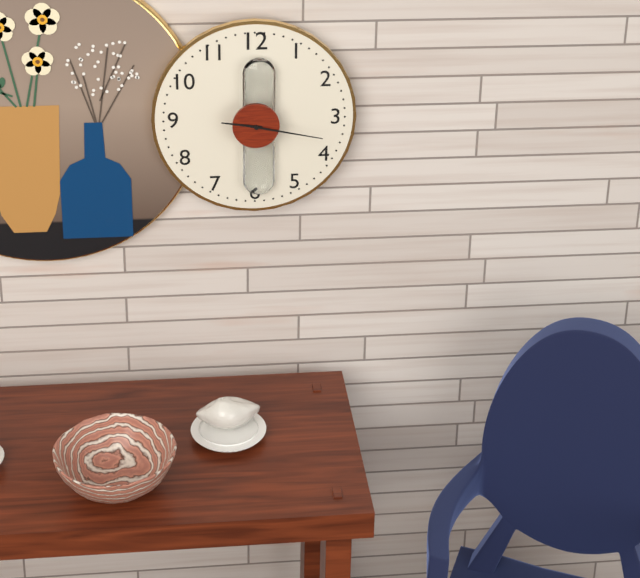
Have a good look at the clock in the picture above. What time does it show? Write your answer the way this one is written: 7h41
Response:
9h17
